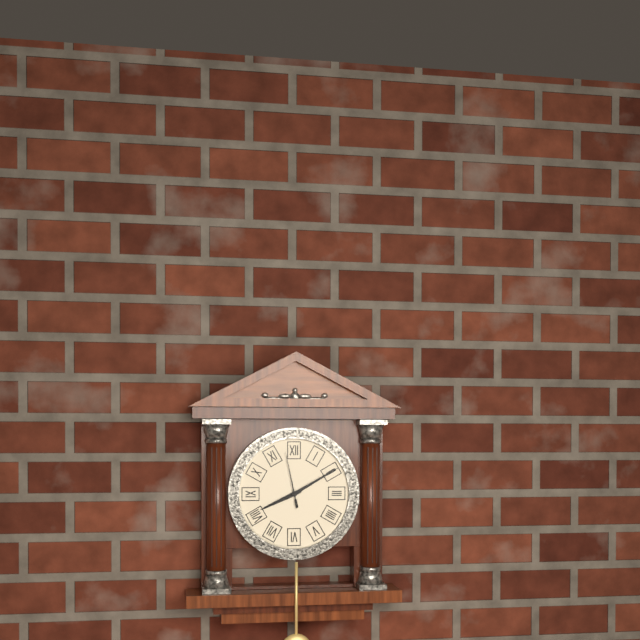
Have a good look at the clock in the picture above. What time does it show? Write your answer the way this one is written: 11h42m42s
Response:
8h10m58s
